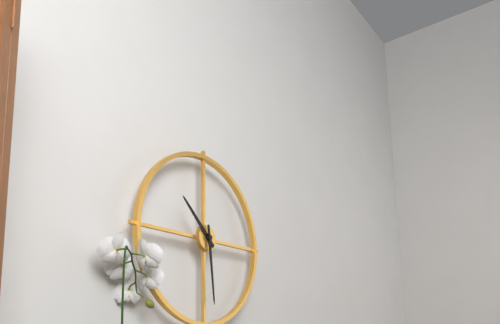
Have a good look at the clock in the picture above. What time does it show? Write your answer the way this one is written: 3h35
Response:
10h29
